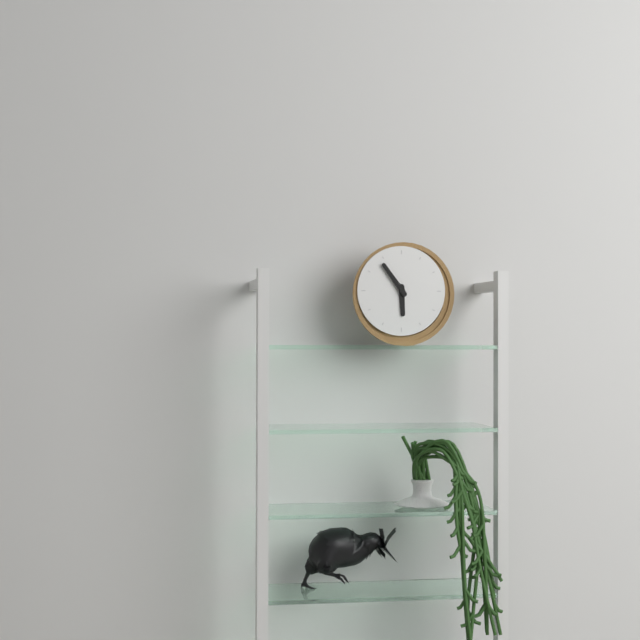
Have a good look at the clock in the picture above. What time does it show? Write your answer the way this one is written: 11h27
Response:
5h54
